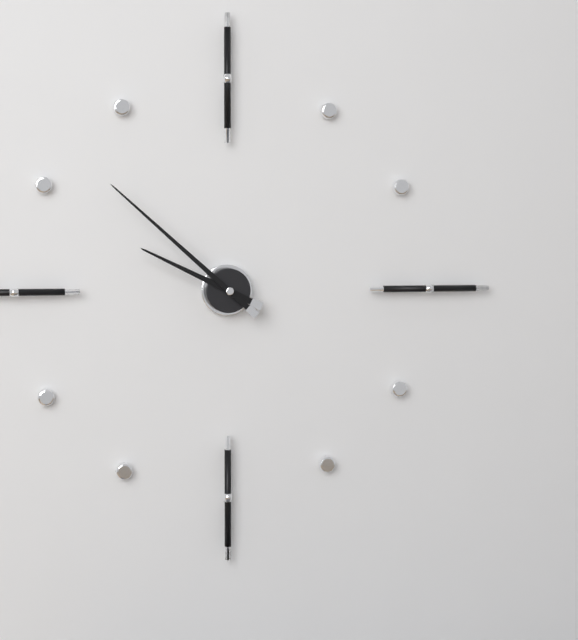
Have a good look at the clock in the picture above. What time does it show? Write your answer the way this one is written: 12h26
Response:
9h52
